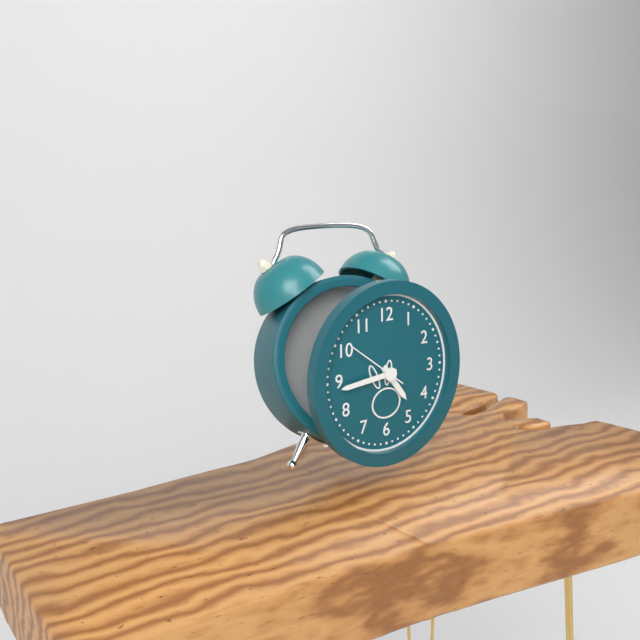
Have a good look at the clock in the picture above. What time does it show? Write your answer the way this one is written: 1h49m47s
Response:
4h44m51s
